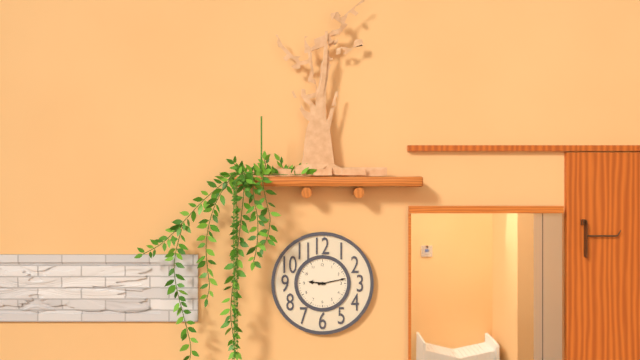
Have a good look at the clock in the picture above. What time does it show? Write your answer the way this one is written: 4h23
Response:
9h13
